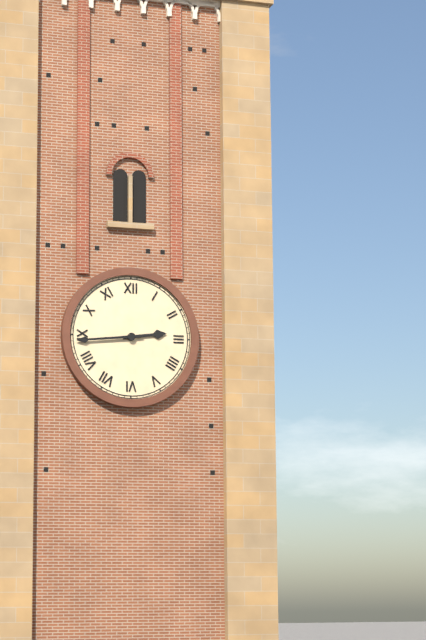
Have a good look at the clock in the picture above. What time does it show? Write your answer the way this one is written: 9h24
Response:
2h44
